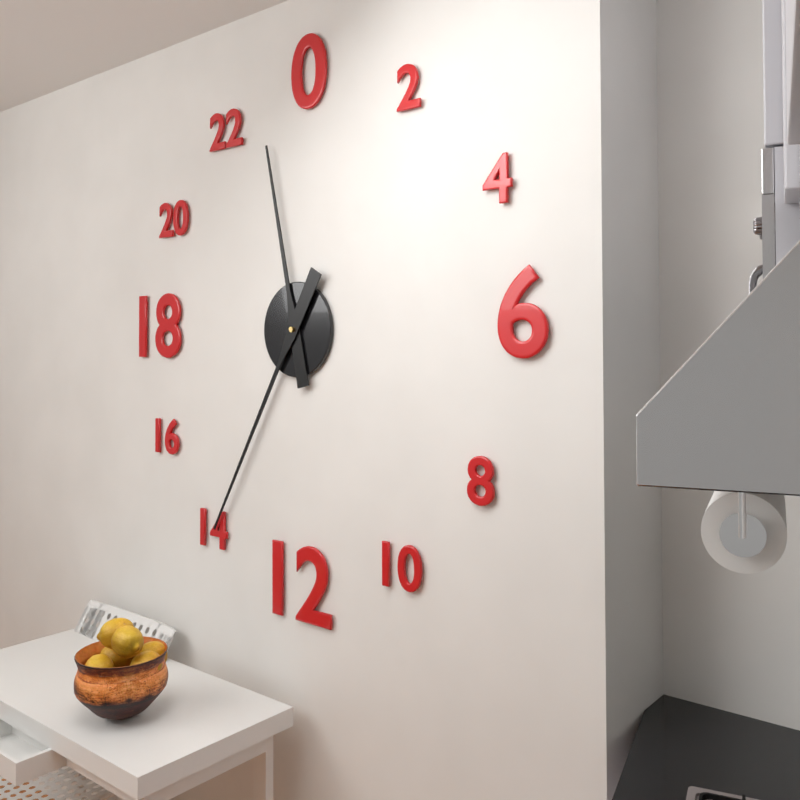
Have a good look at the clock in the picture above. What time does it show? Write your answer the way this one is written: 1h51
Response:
11h35
